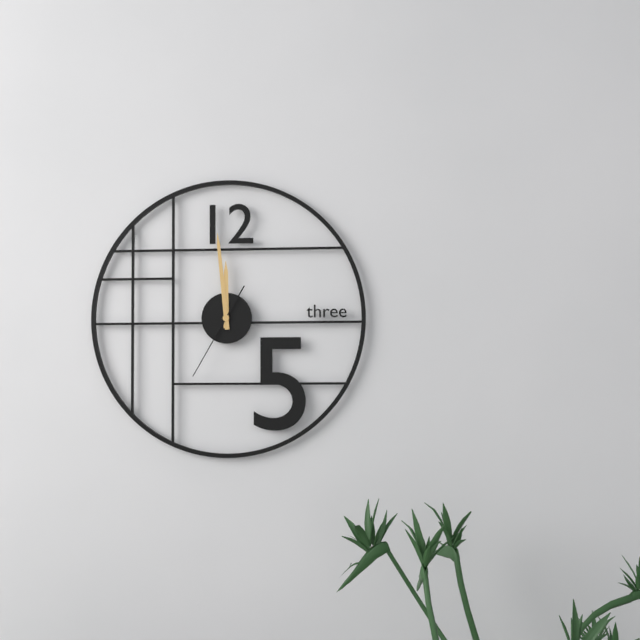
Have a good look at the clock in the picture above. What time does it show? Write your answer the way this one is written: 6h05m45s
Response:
11h59m35s
